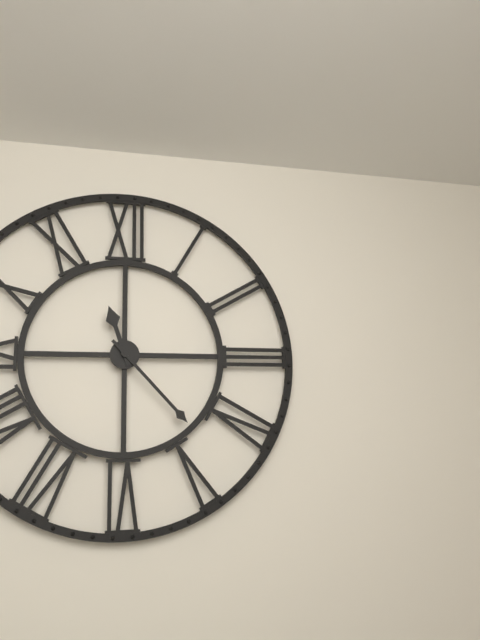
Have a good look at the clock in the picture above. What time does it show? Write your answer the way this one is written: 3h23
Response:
11h23
